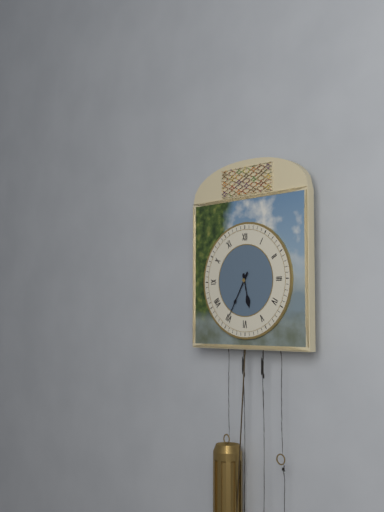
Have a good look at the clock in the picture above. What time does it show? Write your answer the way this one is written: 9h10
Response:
5h35
